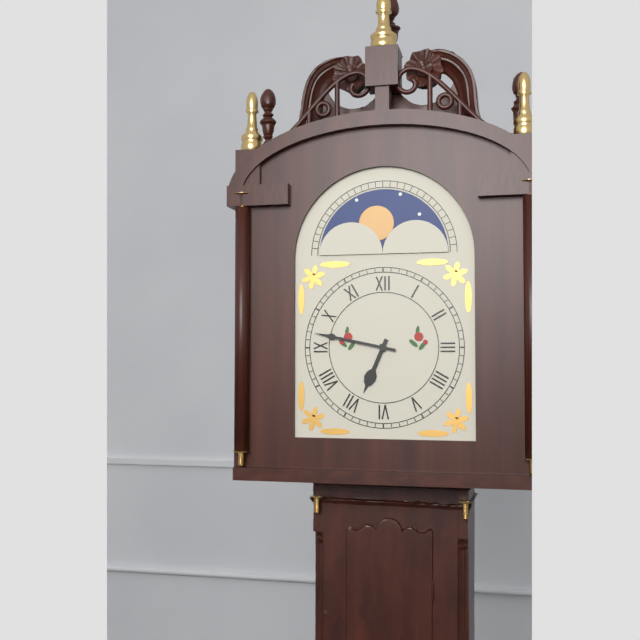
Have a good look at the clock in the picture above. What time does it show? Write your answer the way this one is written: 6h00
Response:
6h47
